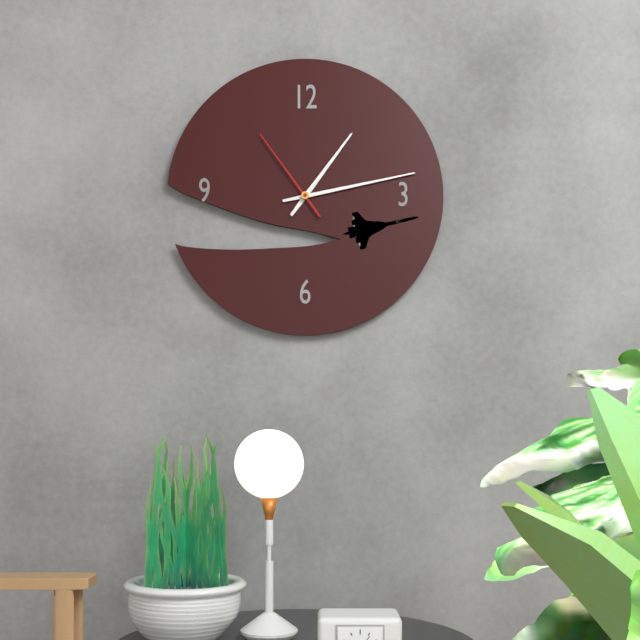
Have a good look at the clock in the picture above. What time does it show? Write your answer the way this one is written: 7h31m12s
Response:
1h13m54s
